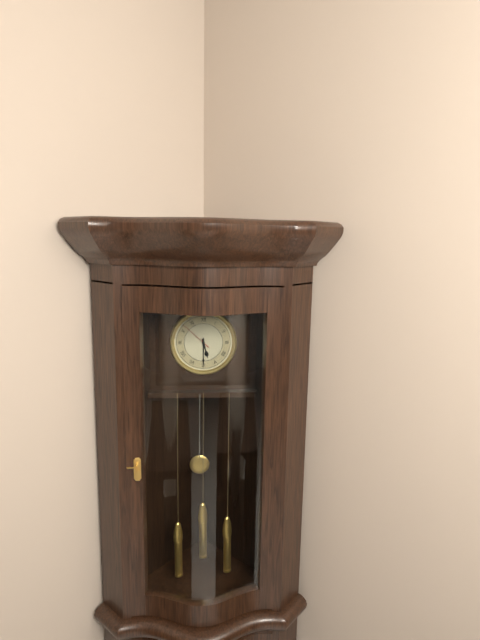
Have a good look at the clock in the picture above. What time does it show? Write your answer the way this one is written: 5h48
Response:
5h30
